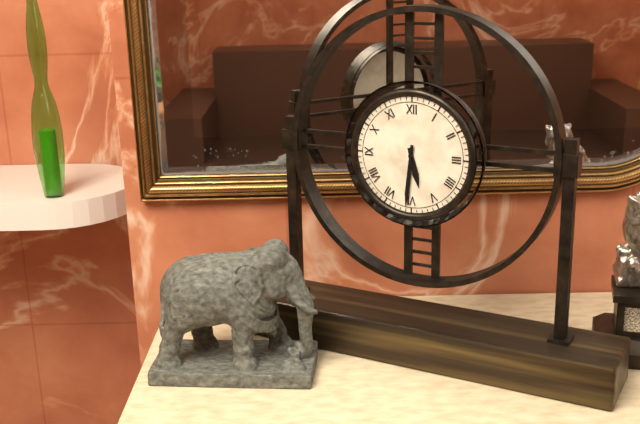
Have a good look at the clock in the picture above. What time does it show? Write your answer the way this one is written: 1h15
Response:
5h31
